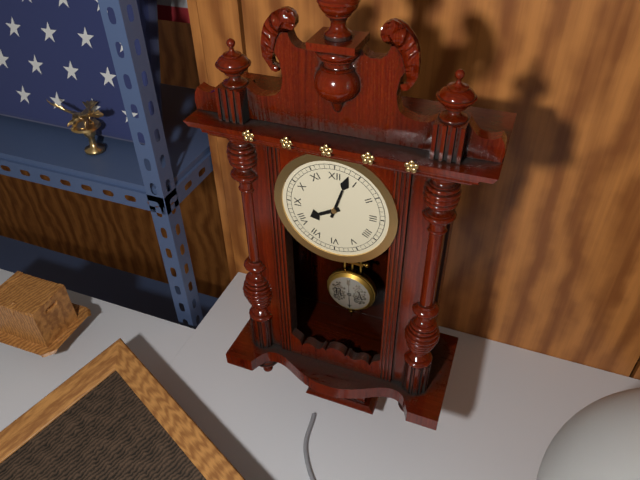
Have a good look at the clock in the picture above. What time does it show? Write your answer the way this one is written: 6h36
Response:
8h03
